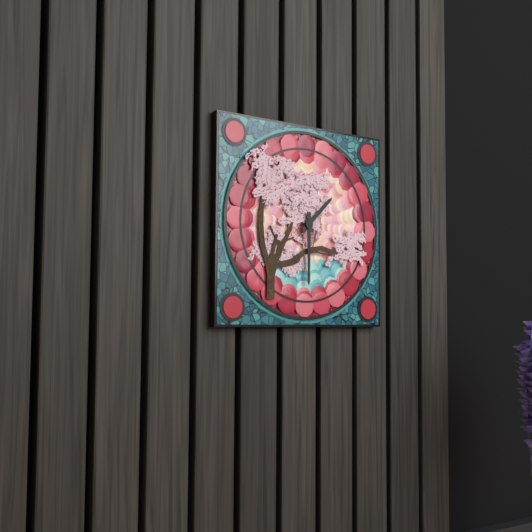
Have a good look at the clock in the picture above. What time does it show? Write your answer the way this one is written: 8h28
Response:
1h30
